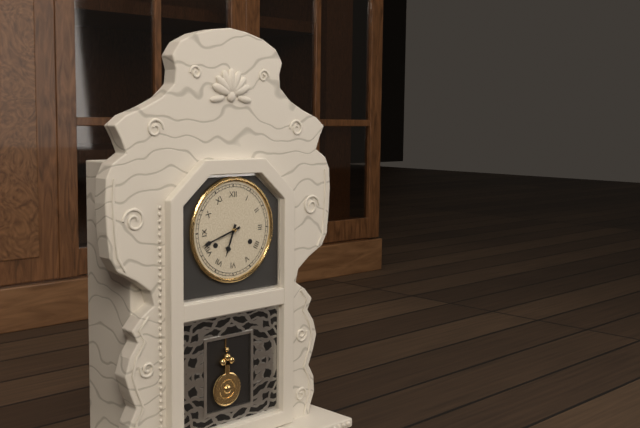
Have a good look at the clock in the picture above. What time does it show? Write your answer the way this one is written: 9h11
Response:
6h42
